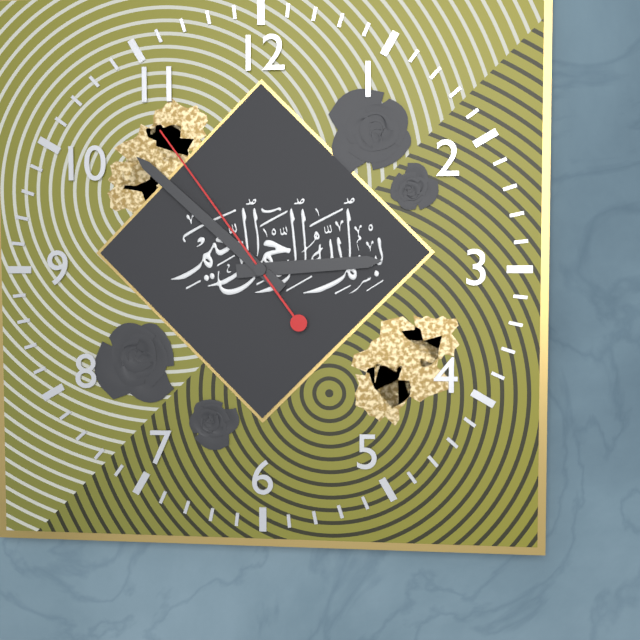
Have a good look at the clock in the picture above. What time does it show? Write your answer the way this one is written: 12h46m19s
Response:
2h52m54s
